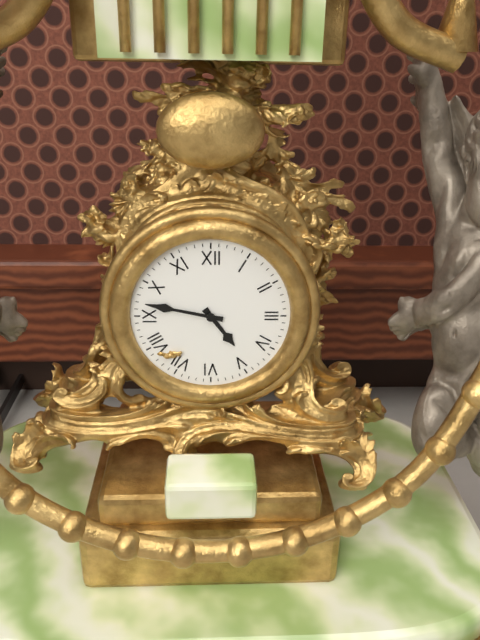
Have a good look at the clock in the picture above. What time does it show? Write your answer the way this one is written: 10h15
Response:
4h47
